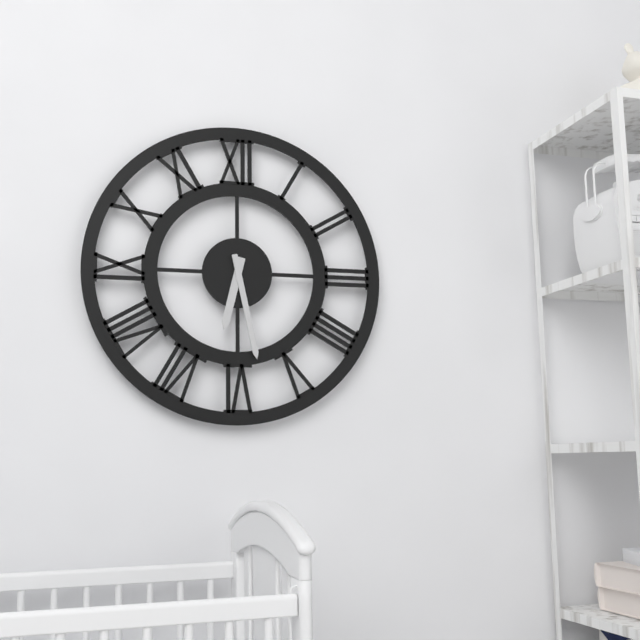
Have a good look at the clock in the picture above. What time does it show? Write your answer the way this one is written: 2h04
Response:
6h28
